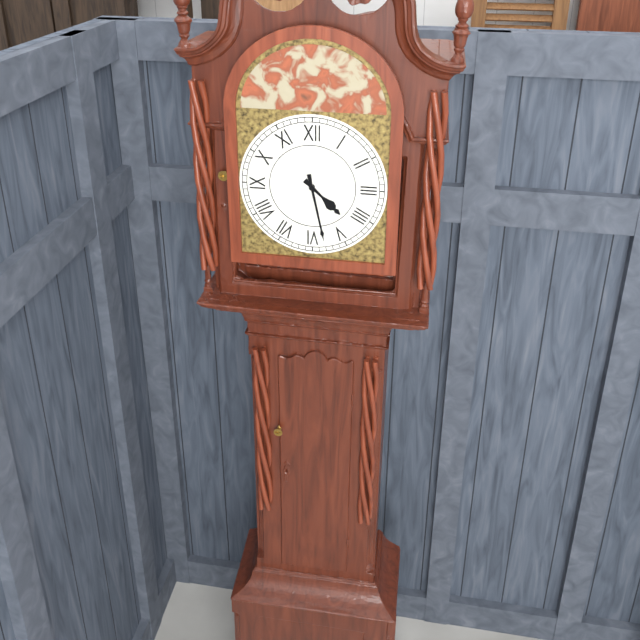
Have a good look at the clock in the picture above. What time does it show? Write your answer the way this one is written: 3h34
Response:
4h28
